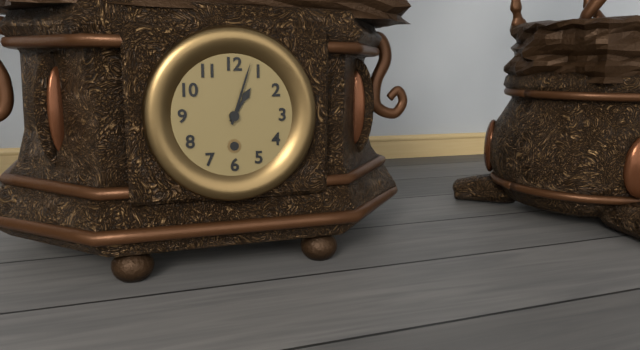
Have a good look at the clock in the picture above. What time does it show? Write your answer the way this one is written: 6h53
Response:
1h03
